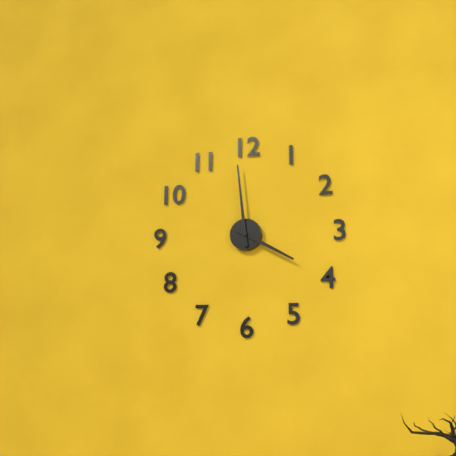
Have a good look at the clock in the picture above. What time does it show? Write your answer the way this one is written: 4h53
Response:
3h59
